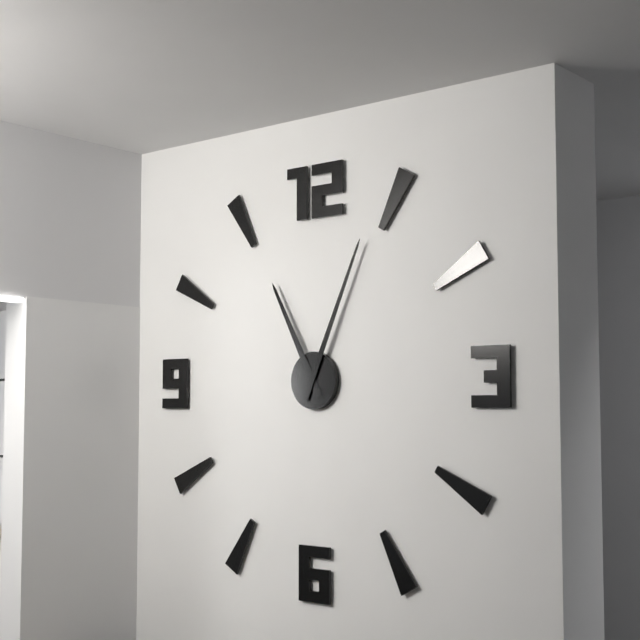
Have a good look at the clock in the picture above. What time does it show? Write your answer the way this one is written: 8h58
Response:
11h04
